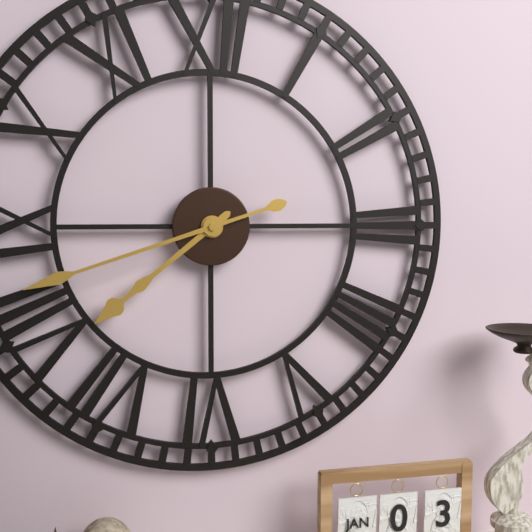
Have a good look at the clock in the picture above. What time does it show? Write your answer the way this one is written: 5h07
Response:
7h42
